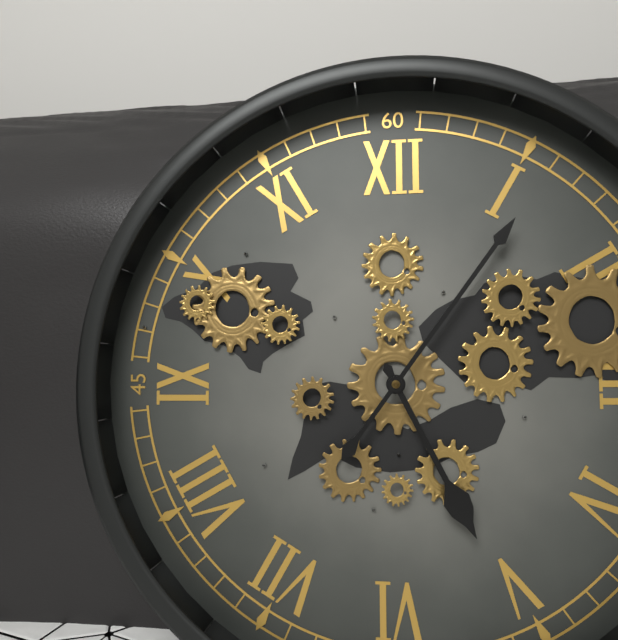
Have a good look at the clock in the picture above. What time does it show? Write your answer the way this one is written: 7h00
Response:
5h06
